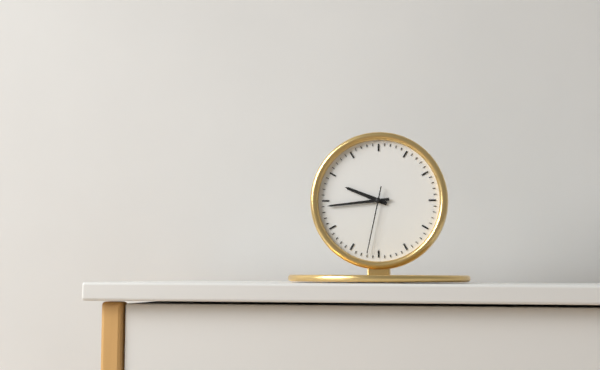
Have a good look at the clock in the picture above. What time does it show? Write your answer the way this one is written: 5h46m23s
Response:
9h44m32s
